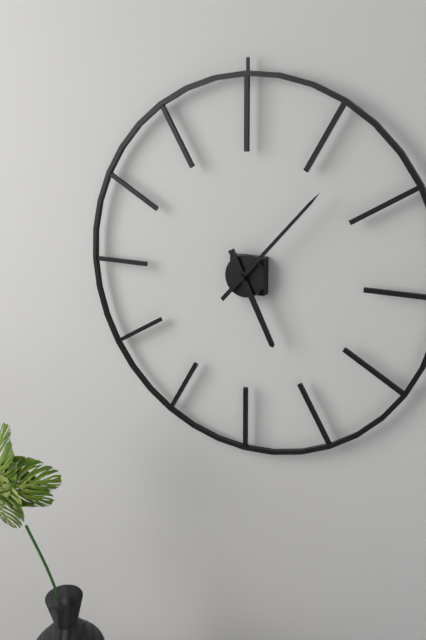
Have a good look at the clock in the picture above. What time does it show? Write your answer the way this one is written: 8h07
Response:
5h07
